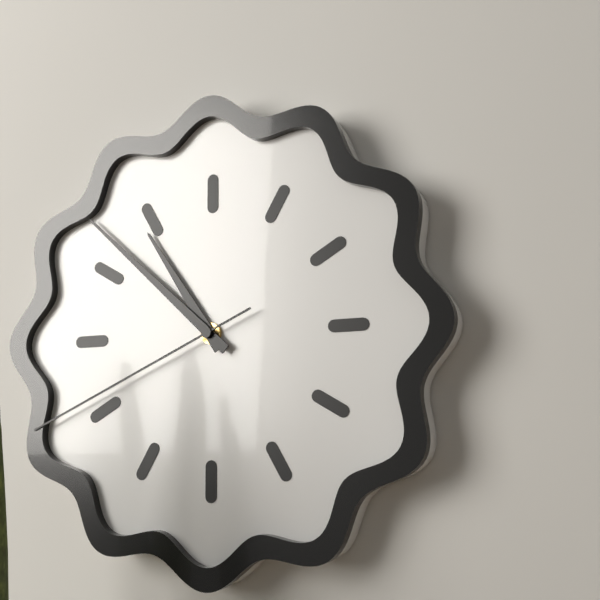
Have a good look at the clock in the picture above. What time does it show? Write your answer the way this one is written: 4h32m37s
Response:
10h52m41s
